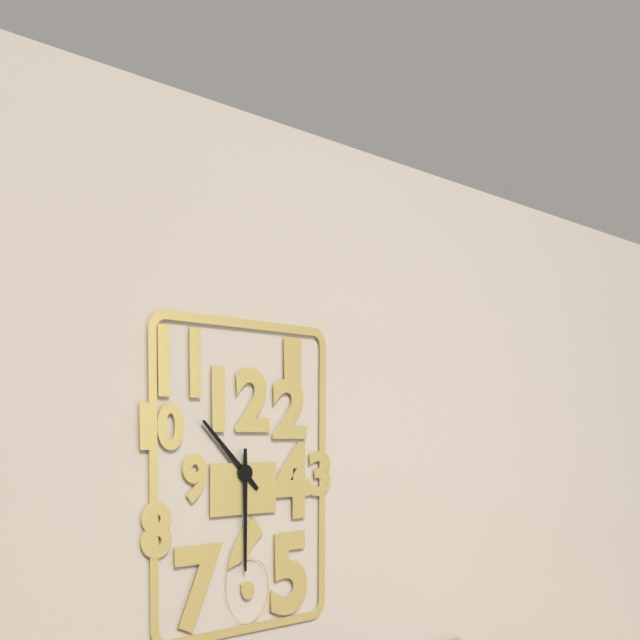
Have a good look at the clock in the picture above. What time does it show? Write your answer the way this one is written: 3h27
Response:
10h30
